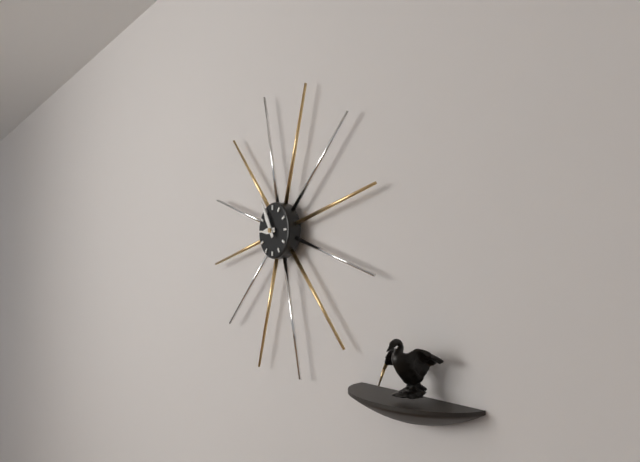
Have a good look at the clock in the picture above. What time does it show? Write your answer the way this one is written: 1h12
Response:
8h55
